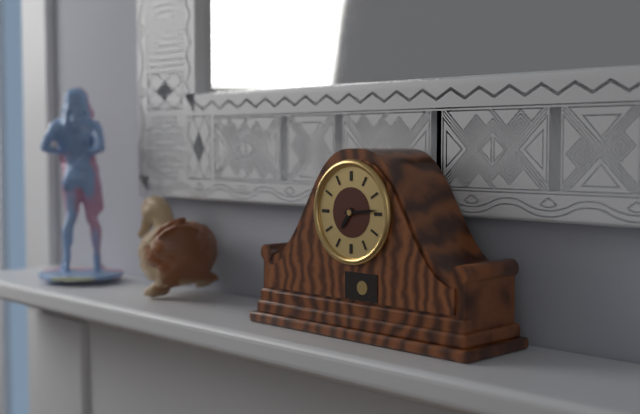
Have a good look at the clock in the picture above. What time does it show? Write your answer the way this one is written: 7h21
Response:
7h14
